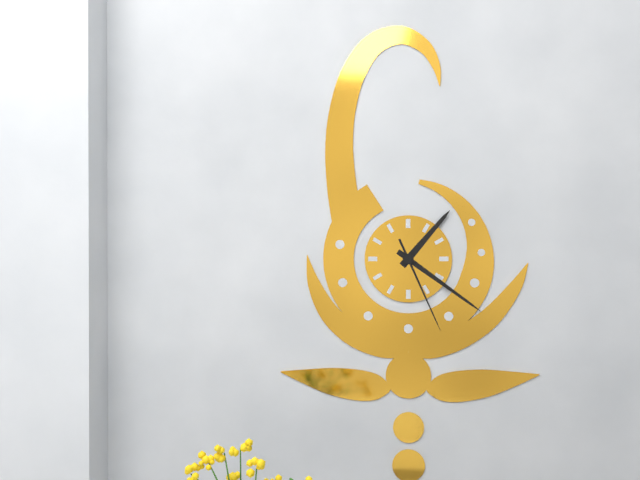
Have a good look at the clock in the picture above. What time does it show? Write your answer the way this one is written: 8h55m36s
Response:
1h21m26s
